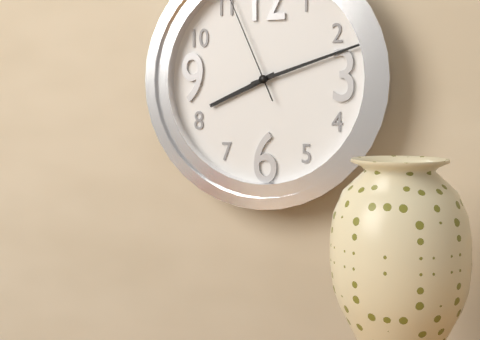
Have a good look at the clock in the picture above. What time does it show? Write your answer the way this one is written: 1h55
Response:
8h12
